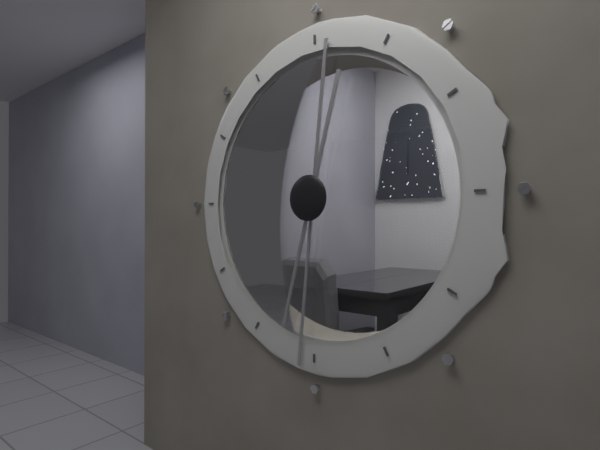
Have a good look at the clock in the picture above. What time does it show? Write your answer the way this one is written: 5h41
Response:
6h31
